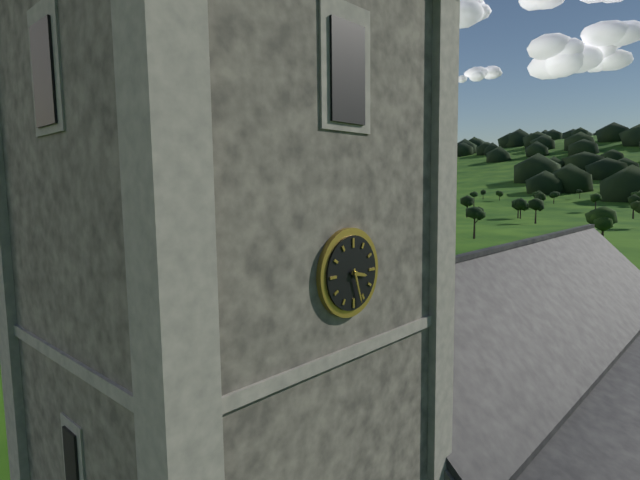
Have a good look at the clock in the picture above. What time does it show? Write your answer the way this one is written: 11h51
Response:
3h27
